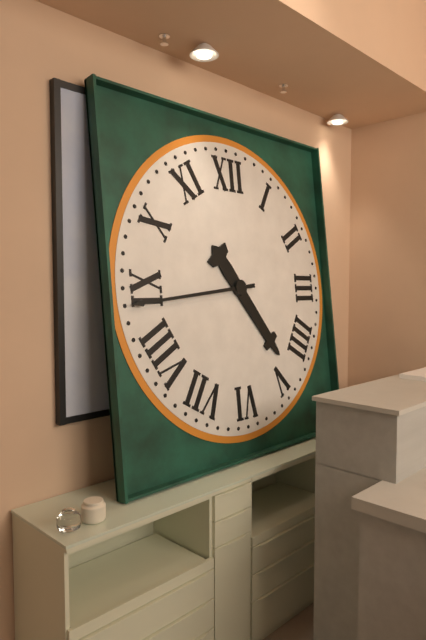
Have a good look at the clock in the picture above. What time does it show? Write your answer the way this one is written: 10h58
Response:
4h44
